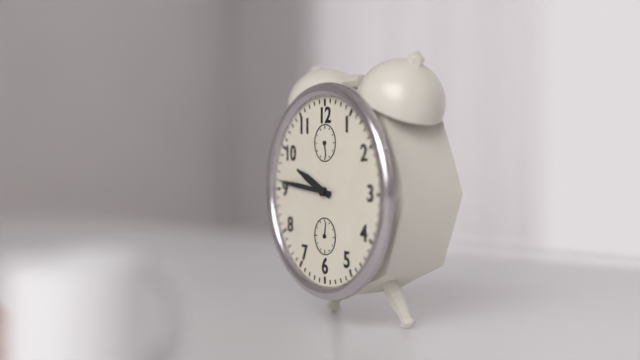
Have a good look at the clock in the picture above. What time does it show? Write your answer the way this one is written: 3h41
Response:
9h46
